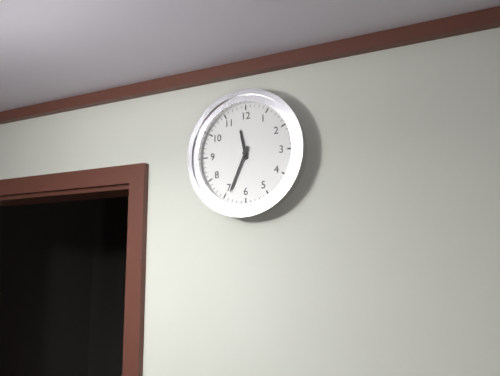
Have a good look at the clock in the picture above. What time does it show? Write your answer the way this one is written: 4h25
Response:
11h34
